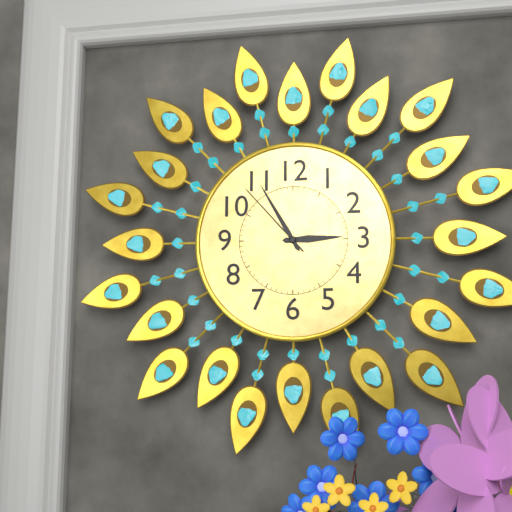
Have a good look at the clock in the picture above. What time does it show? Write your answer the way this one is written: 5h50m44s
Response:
2h55m53s
